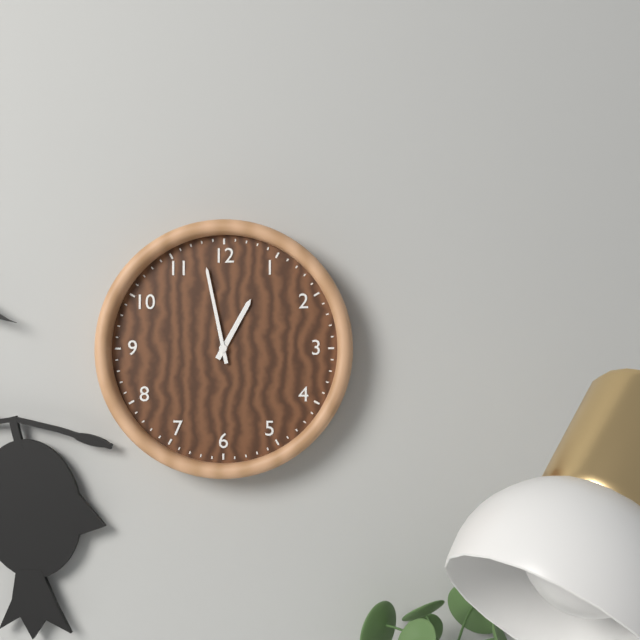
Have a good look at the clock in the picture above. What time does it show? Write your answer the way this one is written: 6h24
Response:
12h58
